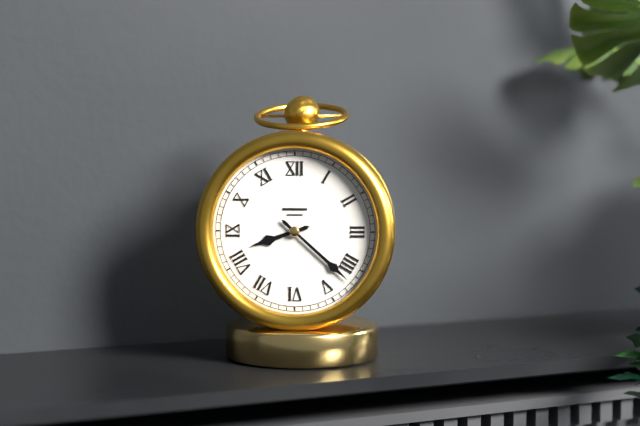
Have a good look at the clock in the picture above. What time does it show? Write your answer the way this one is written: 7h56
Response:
8h22
